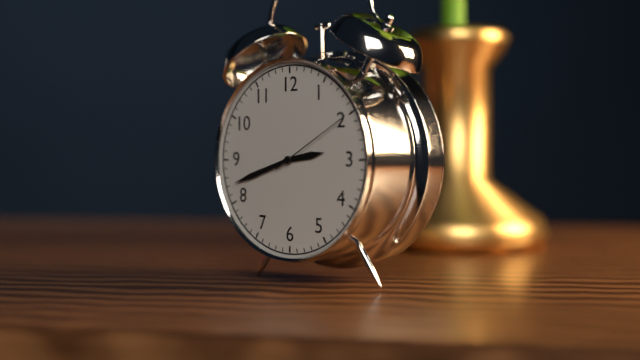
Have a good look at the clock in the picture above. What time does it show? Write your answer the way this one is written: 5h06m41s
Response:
2h42m10s
